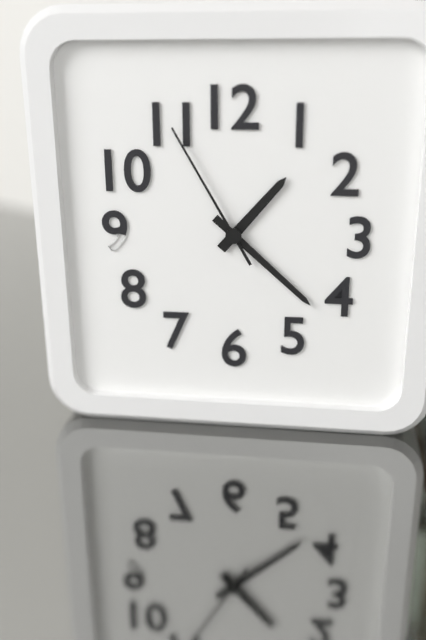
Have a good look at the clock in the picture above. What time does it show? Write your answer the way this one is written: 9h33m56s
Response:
1h22m55s
